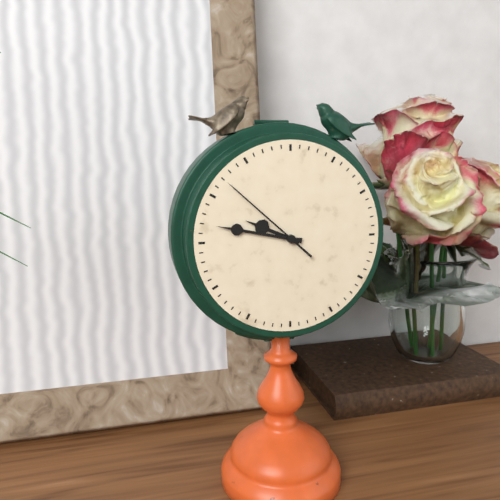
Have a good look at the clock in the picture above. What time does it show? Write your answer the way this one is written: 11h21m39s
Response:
9h47m52s
